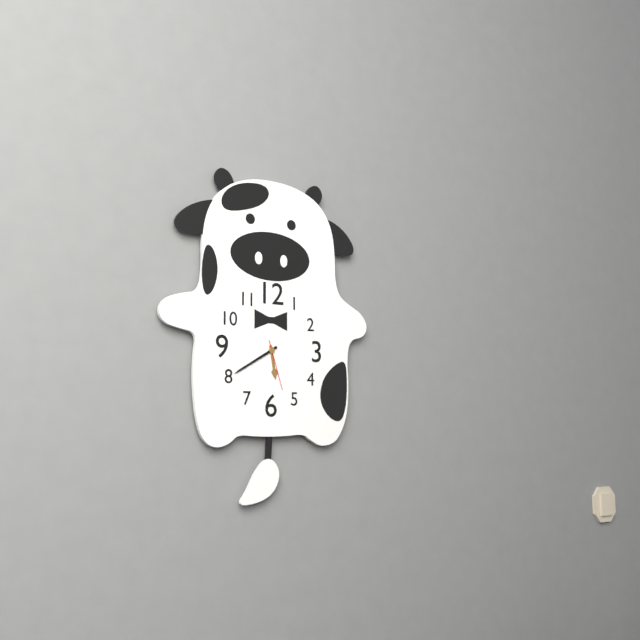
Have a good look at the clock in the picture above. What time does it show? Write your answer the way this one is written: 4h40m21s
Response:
5h40m27s
